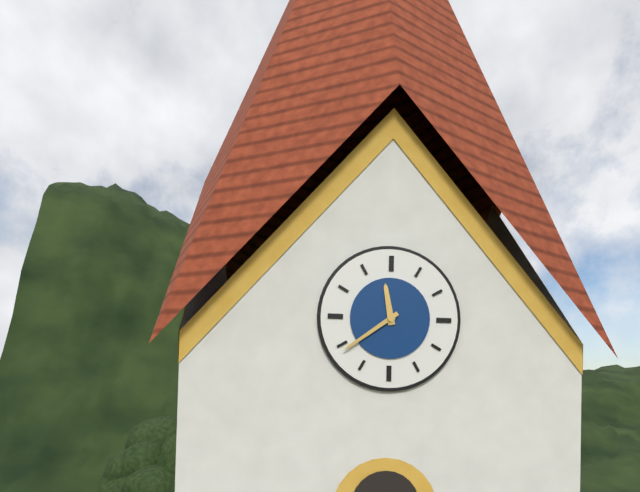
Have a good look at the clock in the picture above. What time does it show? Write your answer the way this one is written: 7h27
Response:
11h39
